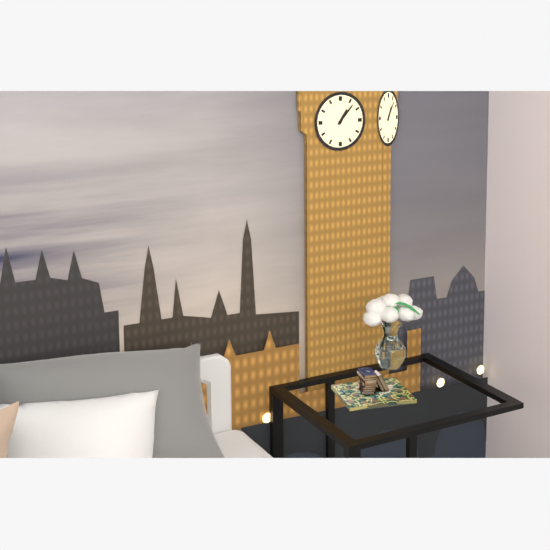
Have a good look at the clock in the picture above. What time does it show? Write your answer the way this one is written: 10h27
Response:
1h07
